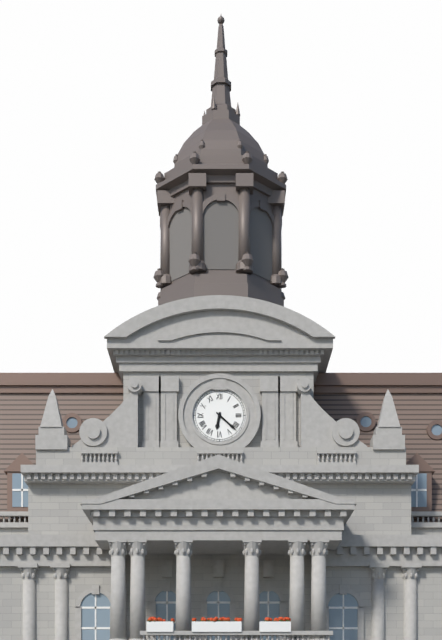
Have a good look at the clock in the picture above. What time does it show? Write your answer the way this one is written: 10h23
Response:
6h22
